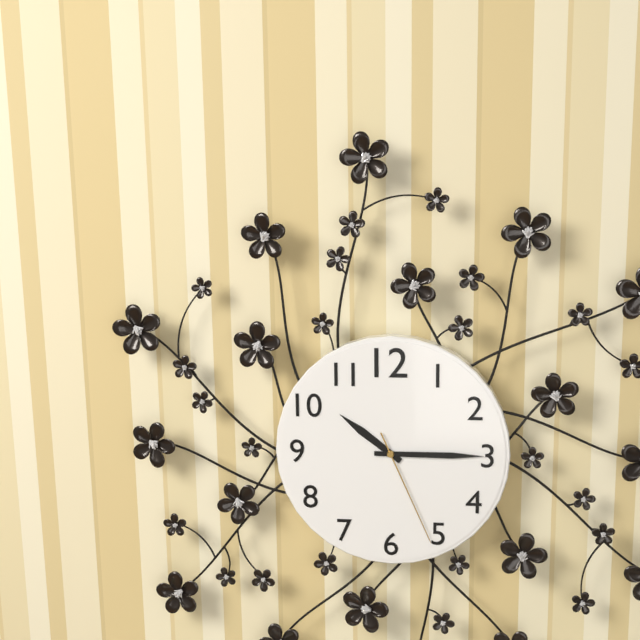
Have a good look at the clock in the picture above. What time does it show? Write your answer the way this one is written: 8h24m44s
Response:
10h15m26s
